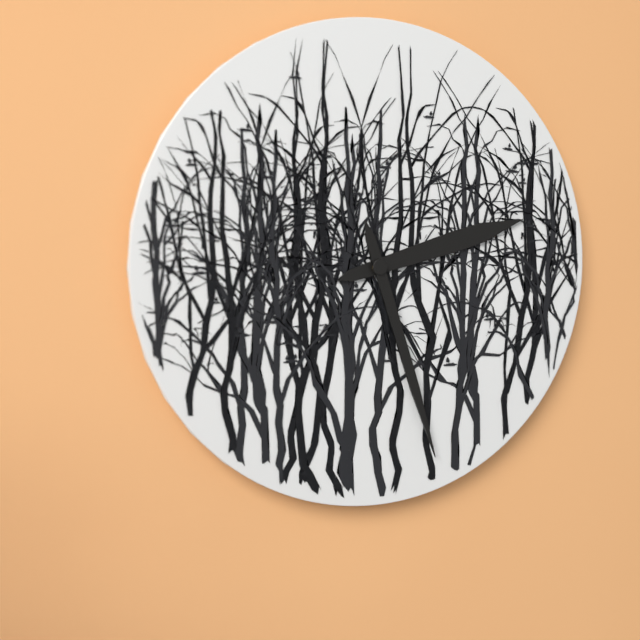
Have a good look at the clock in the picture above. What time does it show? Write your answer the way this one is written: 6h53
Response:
2h27
